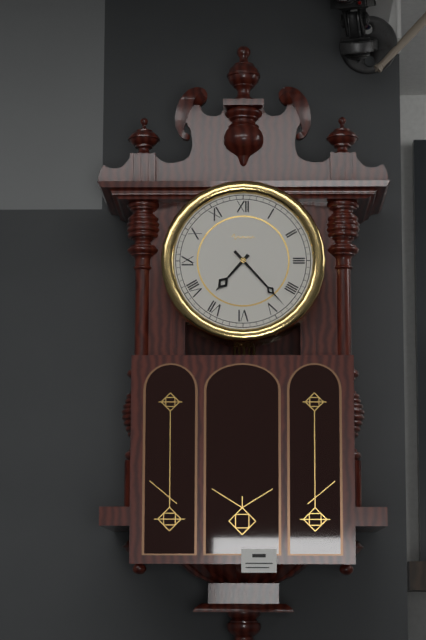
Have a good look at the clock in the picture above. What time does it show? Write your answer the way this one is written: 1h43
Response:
7h23
